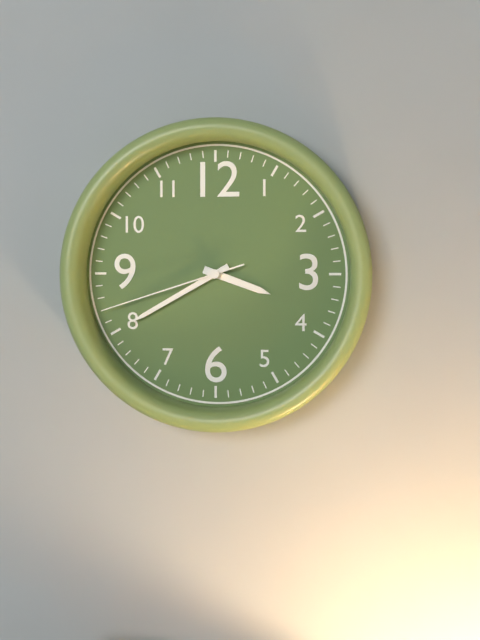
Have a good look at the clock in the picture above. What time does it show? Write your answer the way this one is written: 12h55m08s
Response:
3h40m42s
